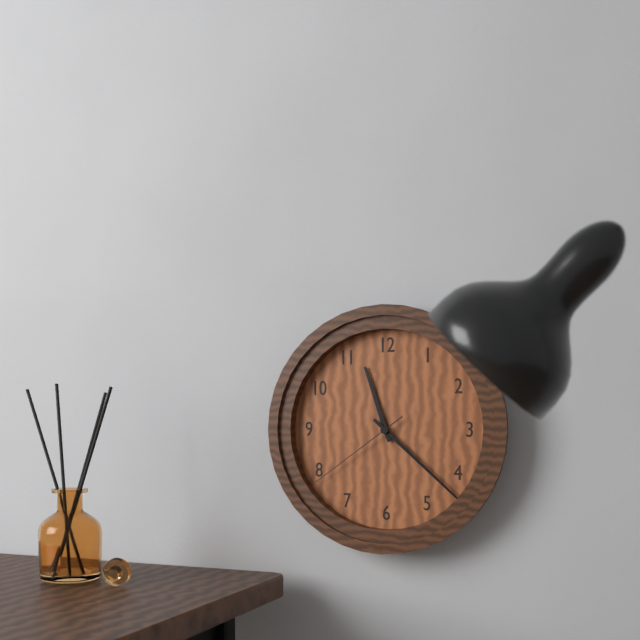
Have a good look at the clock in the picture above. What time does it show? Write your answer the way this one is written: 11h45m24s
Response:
11h22m39s
